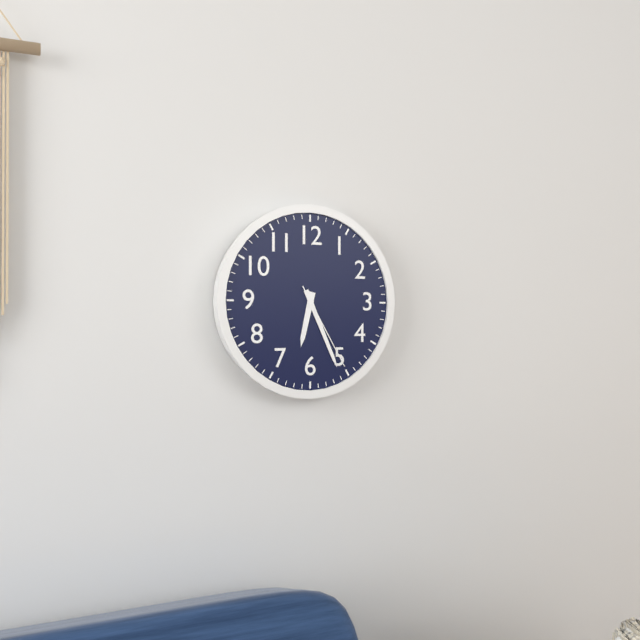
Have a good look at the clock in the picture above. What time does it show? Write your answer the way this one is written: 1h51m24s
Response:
6h26m25s
